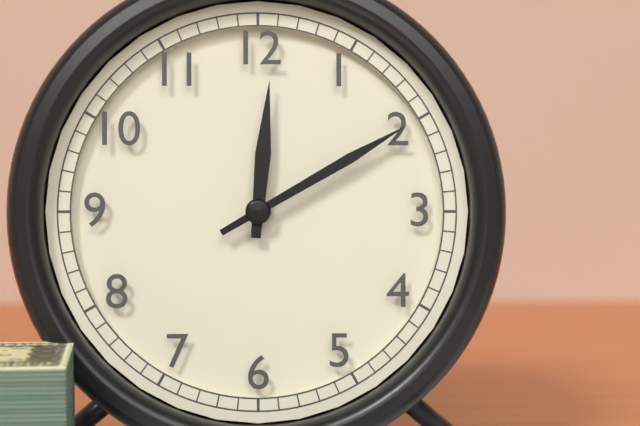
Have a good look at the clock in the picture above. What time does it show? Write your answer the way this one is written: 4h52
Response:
12h10
